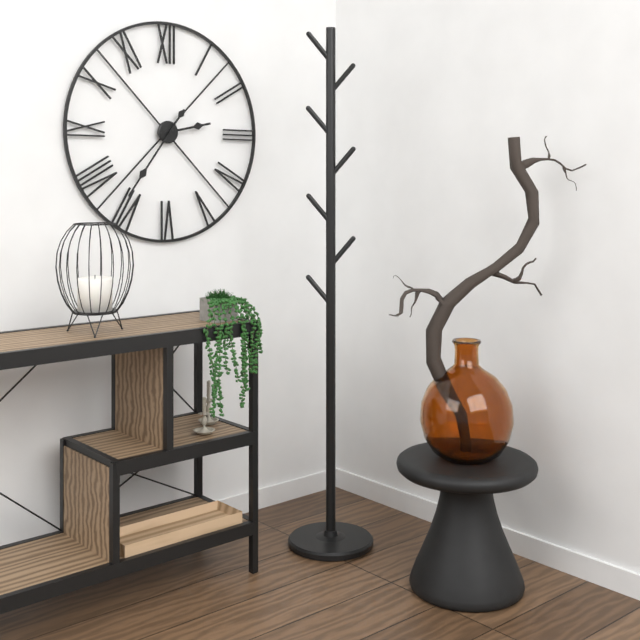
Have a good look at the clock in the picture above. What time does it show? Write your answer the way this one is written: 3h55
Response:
2h36
